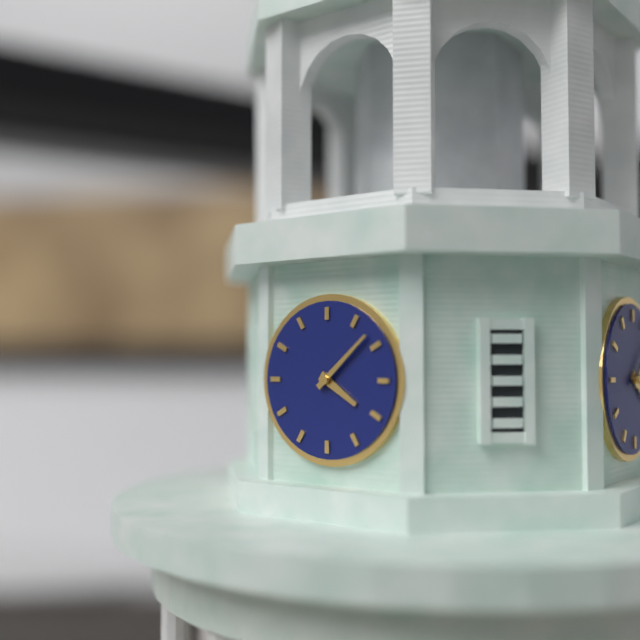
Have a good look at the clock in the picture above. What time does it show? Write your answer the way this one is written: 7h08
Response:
4h08
